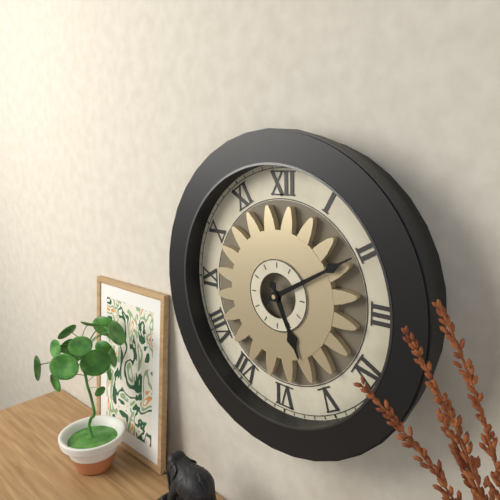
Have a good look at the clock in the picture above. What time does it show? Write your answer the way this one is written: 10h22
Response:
5h10
